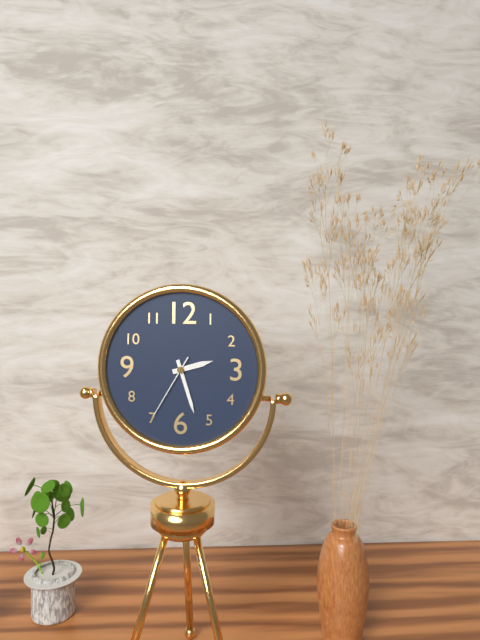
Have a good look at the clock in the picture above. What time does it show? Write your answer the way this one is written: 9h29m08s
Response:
2h27m35s
